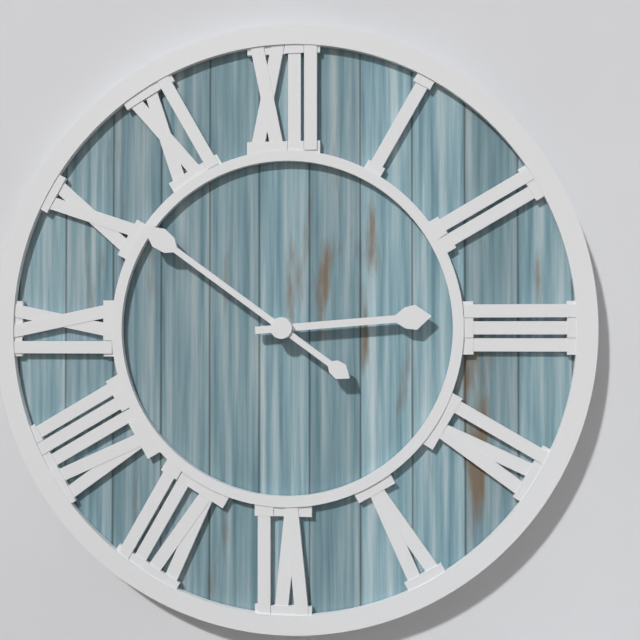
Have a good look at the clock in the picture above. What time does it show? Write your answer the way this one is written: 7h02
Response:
2h51
